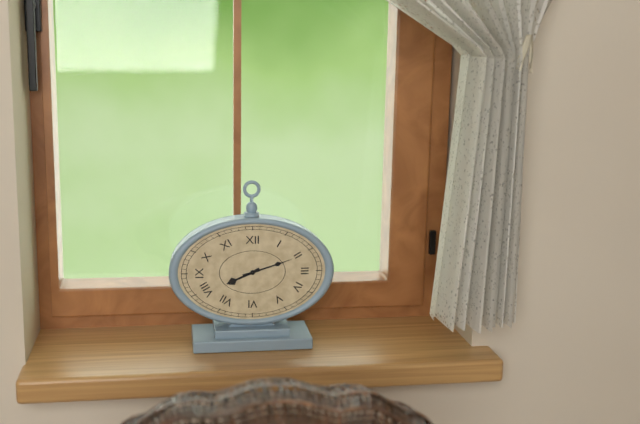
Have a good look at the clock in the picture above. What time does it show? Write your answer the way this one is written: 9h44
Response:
8h12
